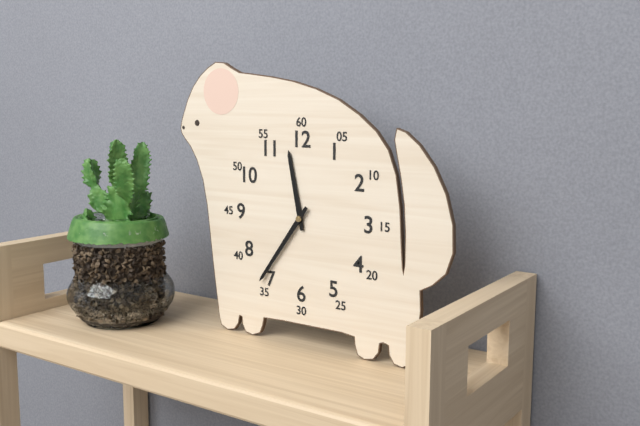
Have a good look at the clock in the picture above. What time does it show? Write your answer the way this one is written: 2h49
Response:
11h36
